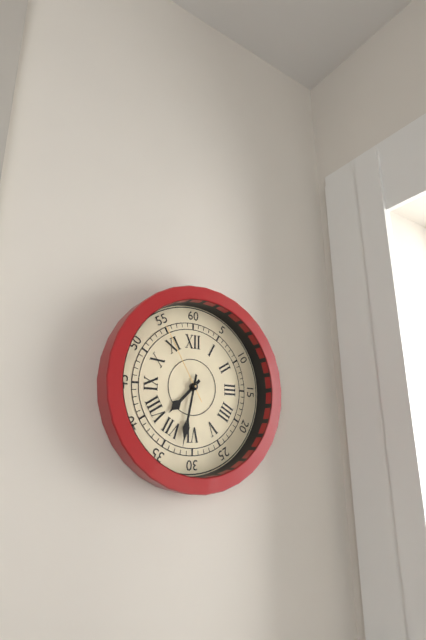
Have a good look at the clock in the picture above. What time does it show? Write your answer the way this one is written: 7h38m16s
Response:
7h32m55s
